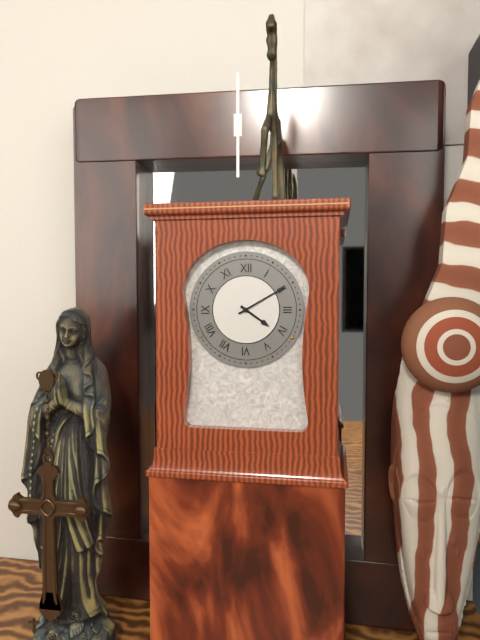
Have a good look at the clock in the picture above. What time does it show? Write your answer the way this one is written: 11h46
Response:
4h10
